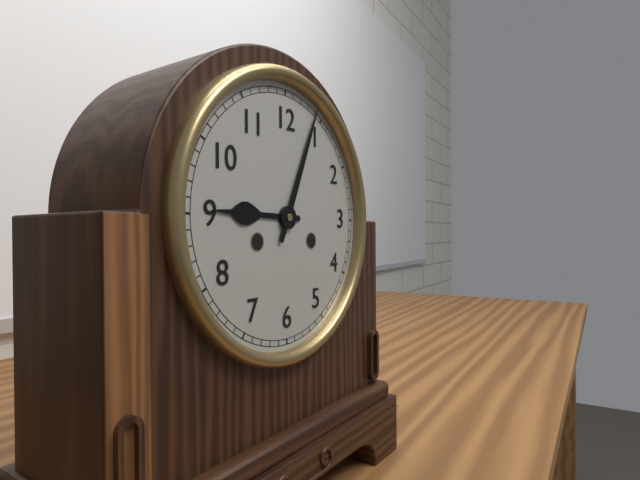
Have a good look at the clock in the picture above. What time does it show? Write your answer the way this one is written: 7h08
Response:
9h04
